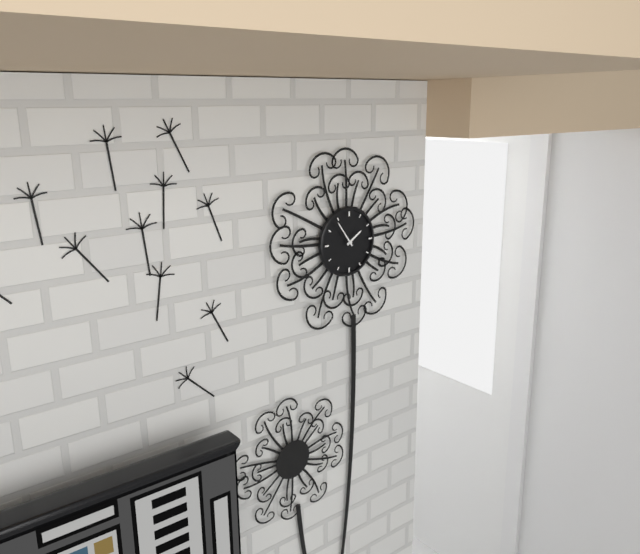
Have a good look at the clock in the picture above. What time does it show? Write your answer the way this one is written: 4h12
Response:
1h54
